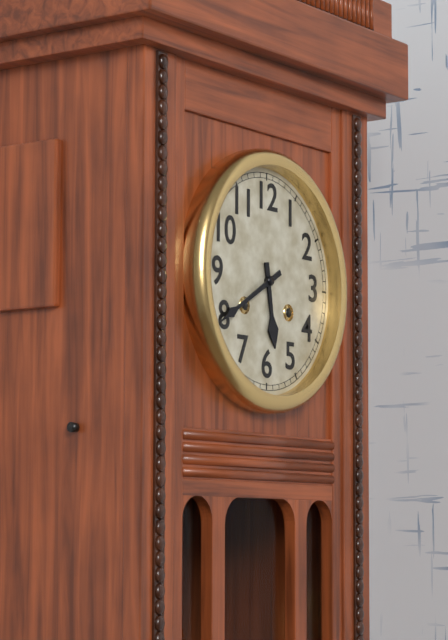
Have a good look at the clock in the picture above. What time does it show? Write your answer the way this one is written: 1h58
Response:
5h40
